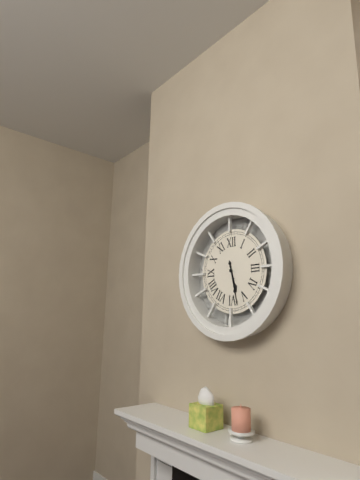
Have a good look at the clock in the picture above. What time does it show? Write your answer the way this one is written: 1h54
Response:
5h28
